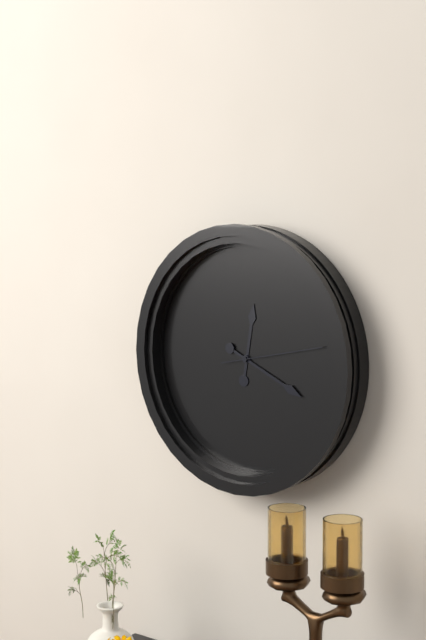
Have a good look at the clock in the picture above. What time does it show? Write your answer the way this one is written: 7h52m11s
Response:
12h19m13s
